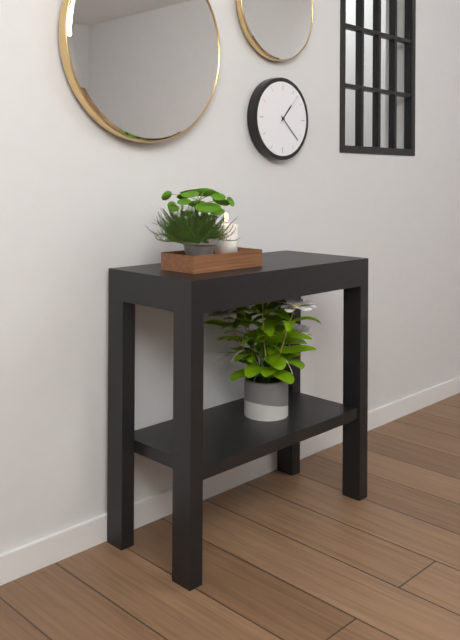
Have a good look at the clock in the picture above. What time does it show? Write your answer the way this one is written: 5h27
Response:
1h22
